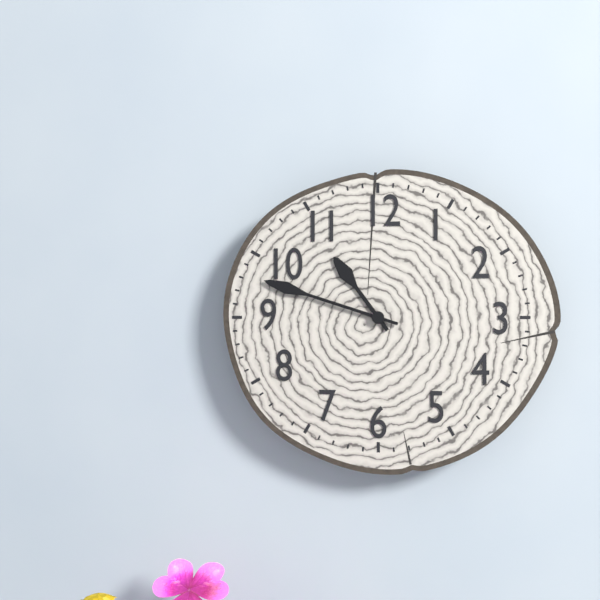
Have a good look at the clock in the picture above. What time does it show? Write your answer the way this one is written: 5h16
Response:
10h48
